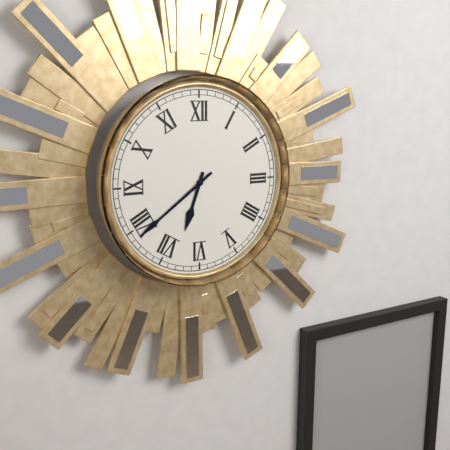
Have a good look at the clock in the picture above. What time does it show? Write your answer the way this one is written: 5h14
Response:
6h39
